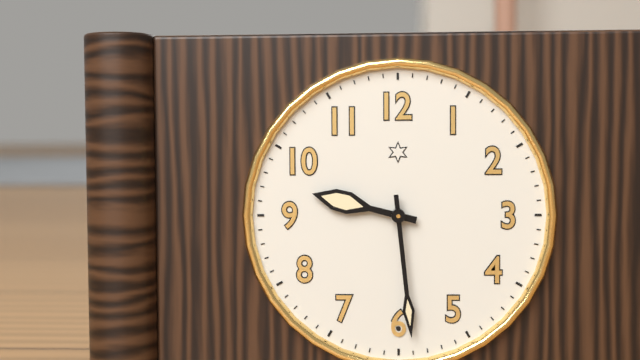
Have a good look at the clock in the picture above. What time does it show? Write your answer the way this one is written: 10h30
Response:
9h29
